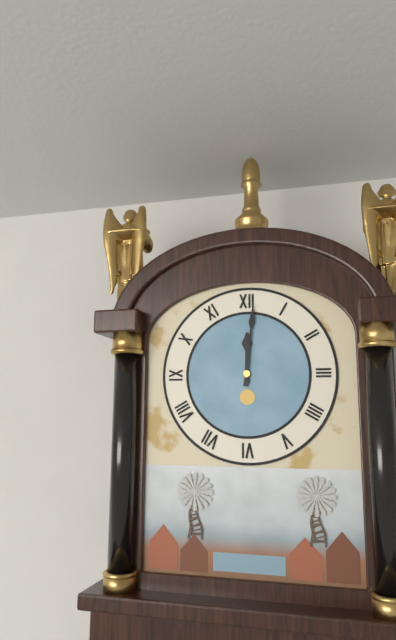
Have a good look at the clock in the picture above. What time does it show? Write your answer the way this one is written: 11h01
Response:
12h01
